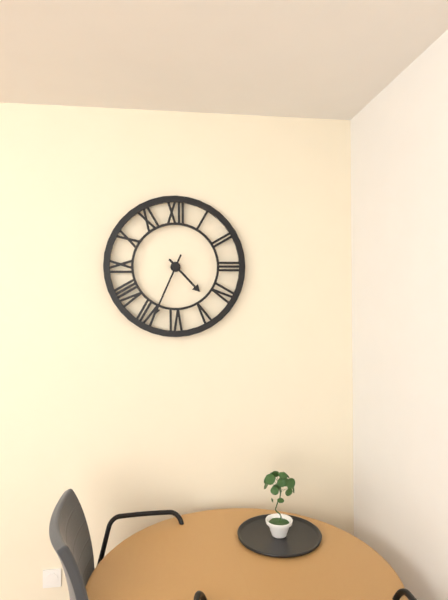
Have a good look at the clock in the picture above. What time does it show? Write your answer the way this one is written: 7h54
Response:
4h34
